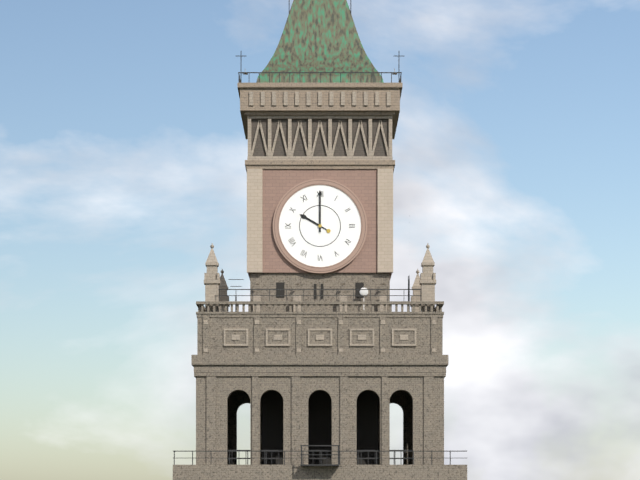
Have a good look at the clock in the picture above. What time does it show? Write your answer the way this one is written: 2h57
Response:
10h00
